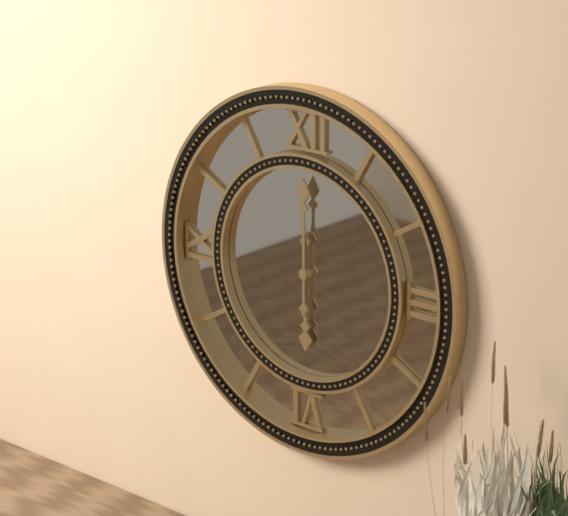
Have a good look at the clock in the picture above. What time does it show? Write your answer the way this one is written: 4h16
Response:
6h00
